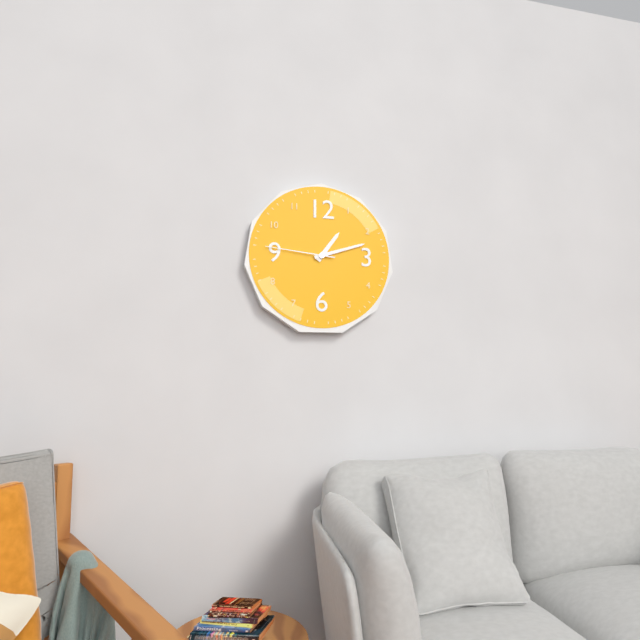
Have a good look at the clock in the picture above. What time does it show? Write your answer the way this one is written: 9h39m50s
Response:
1h12m46s
